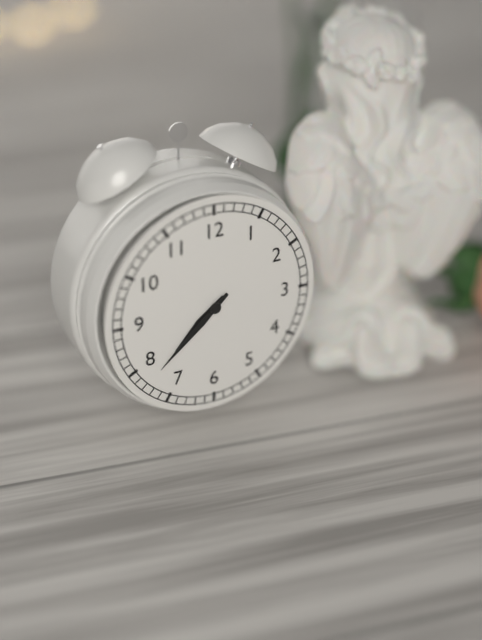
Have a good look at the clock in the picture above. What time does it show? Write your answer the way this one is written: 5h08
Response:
7h38
